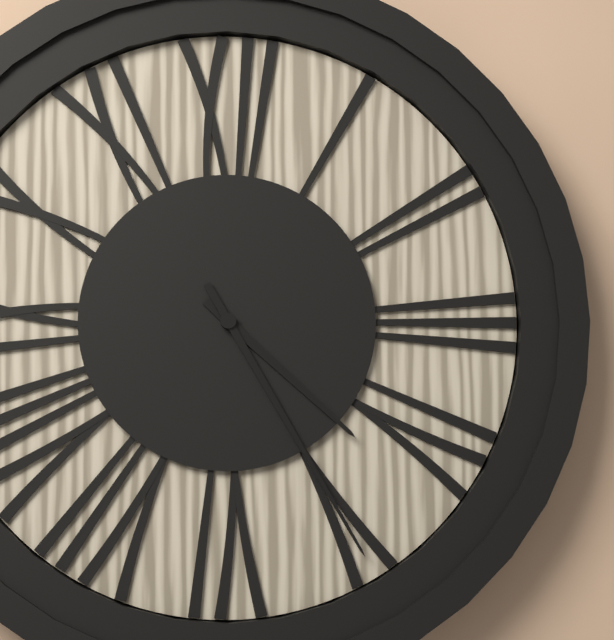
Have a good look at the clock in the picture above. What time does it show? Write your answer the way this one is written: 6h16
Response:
4h25
